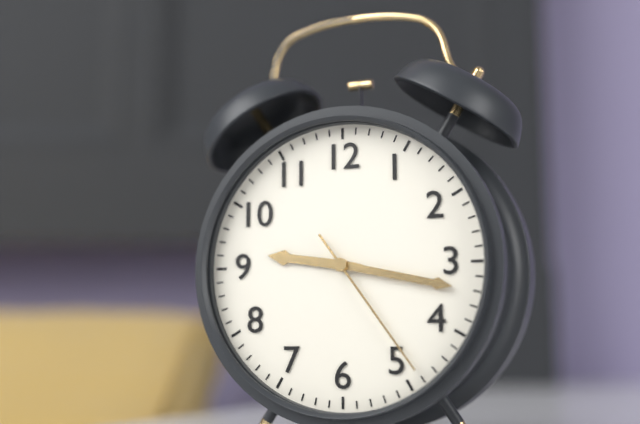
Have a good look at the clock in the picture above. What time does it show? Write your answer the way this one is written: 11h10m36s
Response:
9h17m24s
